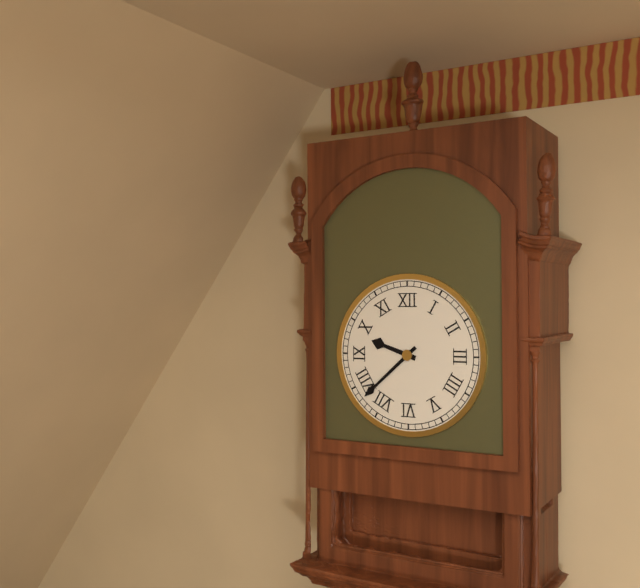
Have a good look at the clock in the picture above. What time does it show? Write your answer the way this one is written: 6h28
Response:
9h38
